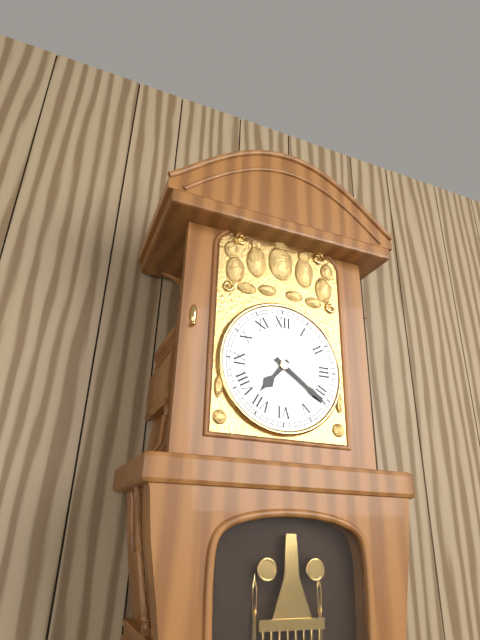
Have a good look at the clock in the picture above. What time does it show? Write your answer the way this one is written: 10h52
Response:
7h21
